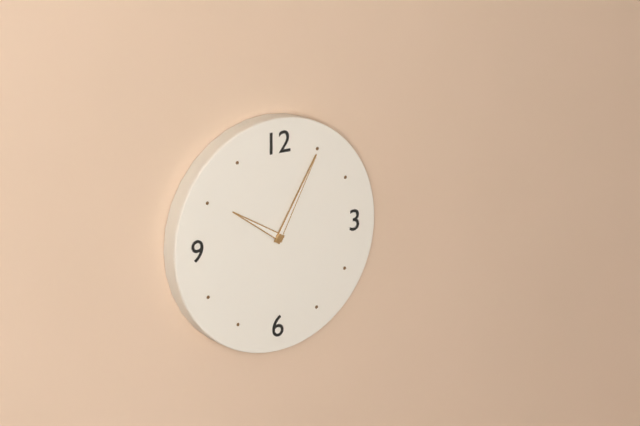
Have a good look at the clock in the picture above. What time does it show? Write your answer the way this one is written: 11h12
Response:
10h05
